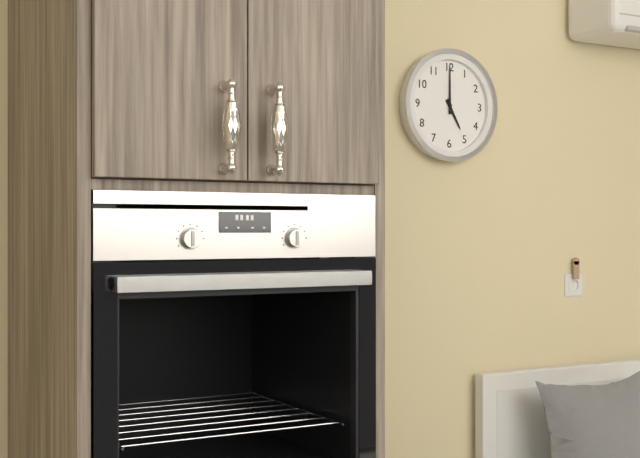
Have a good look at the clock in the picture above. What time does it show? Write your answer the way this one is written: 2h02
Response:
5h00
